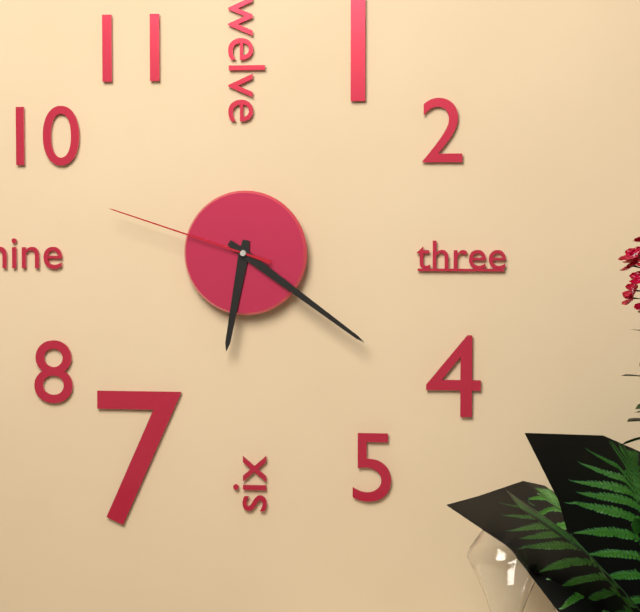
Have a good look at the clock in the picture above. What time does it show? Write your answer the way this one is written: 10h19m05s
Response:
6h21m48s
